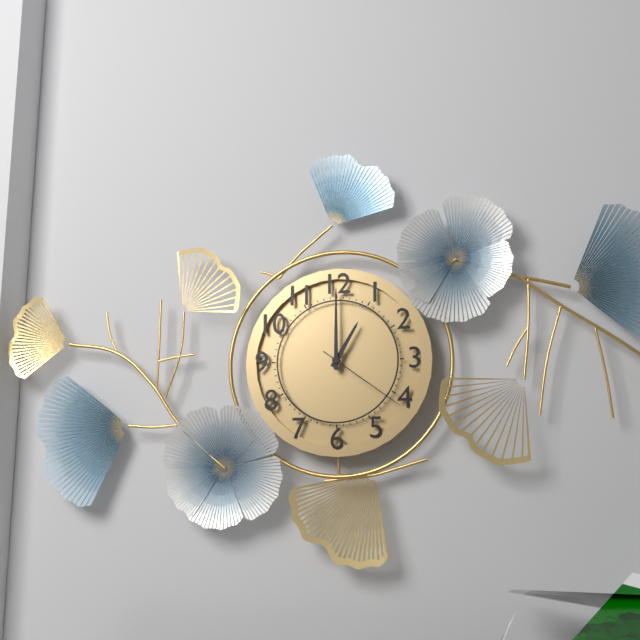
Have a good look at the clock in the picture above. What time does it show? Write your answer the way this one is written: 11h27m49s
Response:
1h00m21s
